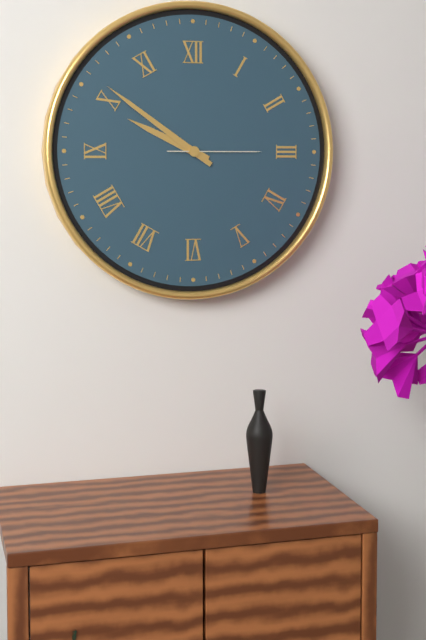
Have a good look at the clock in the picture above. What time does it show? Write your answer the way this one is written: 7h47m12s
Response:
9h51m15s
